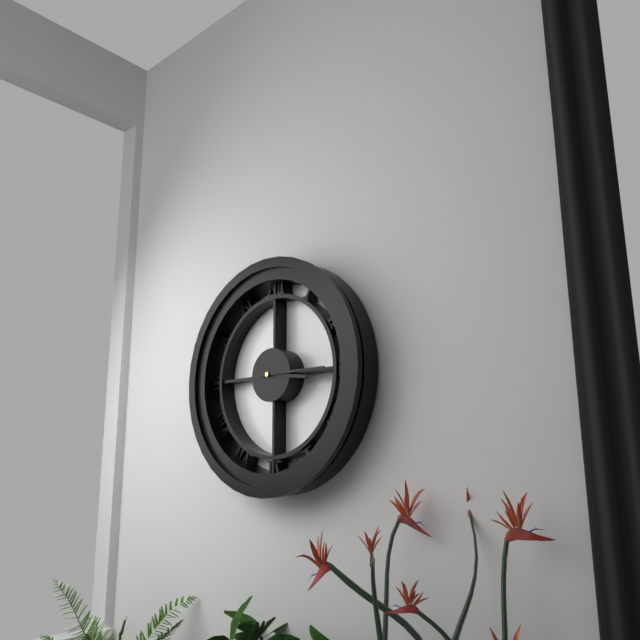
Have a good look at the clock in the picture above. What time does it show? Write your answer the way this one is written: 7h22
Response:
3h15
